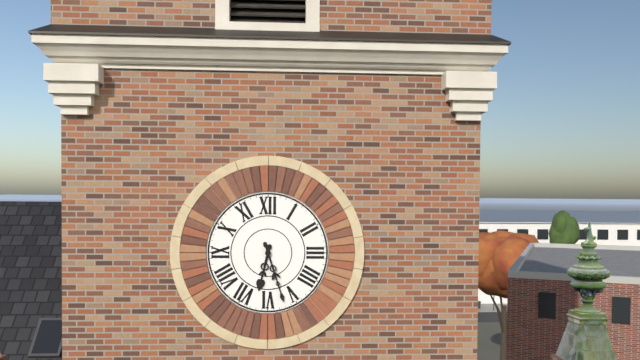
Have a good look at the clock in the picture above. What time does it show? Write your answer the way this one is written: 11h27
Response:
6h27
